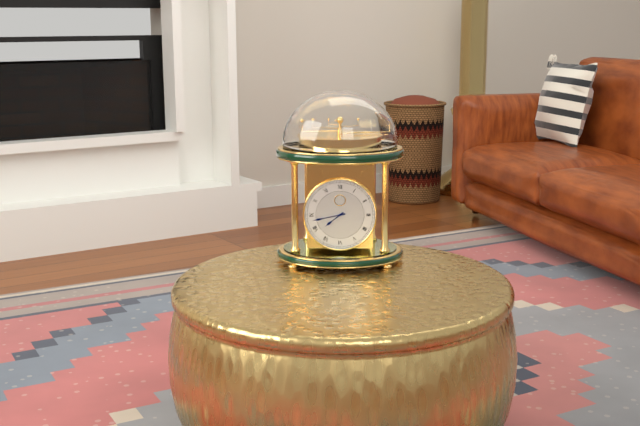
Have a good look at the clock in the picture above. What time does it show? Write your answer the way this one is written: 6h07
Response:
7h43
